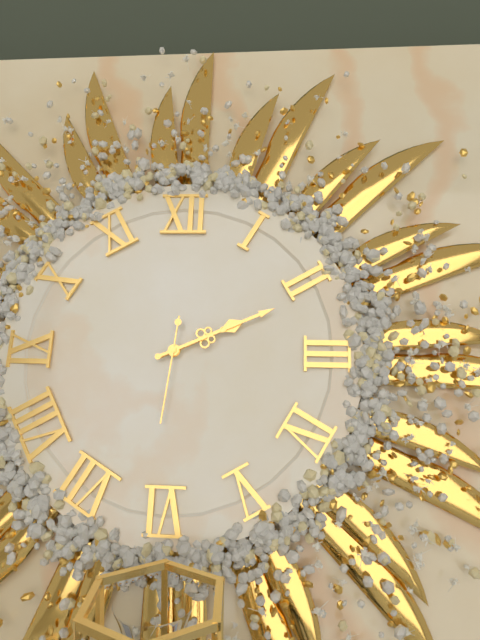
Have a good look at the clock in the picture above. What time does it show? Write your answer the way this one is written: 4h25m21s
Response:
2h11m31s
